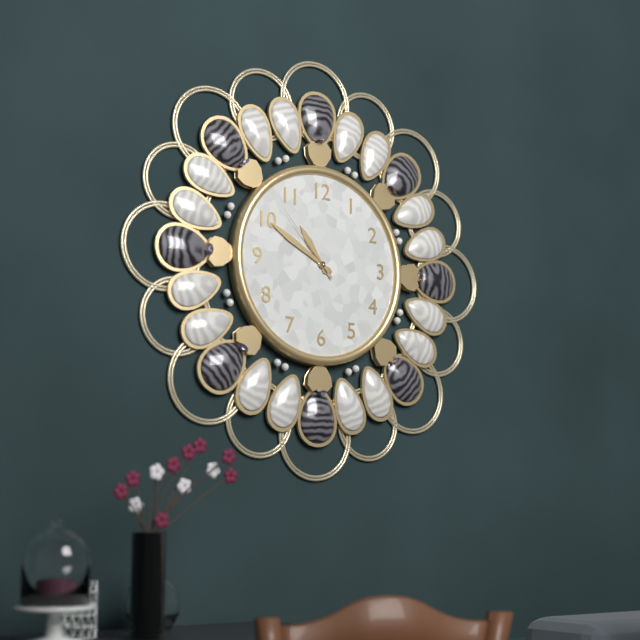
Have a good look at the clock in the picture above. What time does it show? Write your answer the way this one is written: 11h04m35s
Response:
10h50m53s
